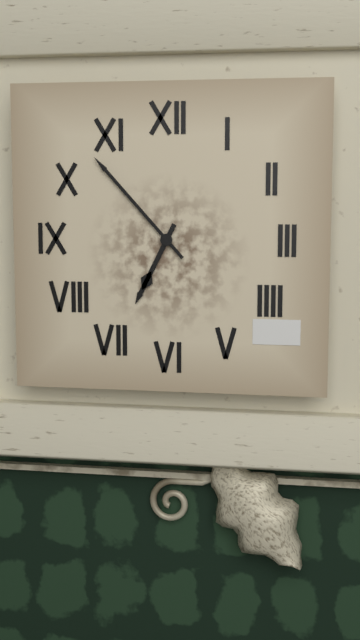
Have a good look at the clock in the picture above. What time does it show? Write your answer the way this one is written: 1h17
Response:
6h53
